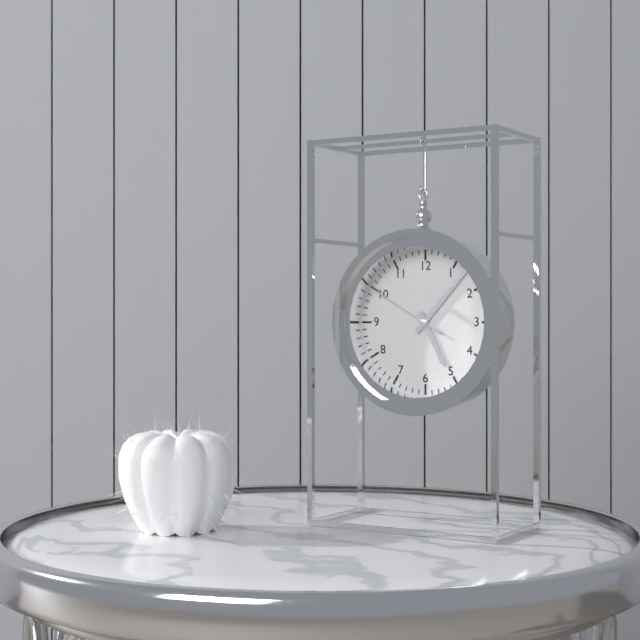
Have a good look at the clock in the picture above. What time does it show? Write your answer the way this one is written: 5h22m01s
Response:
5h07m50s
